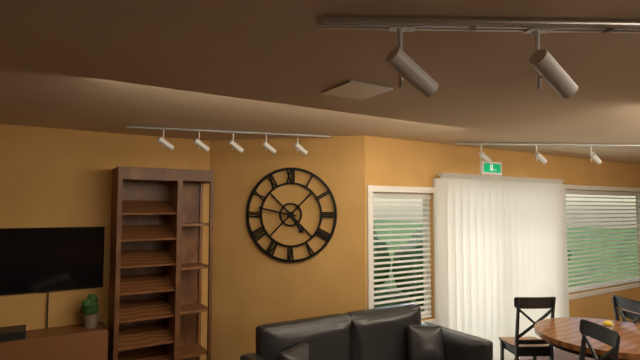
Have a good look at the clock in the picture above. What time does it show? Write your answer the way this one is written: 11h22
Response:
4h47
